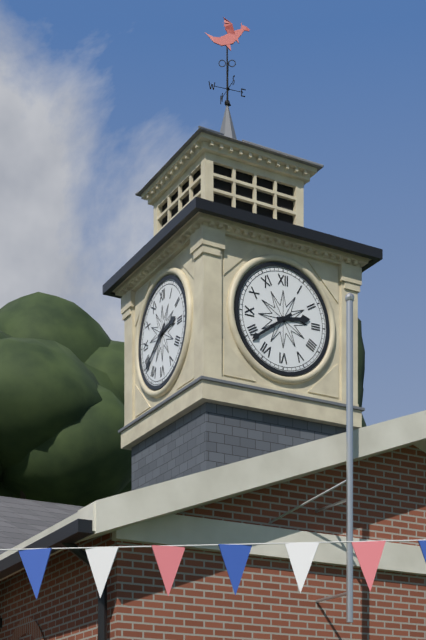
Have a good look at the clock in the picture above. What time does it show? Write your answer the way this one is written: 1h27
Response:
2h39
